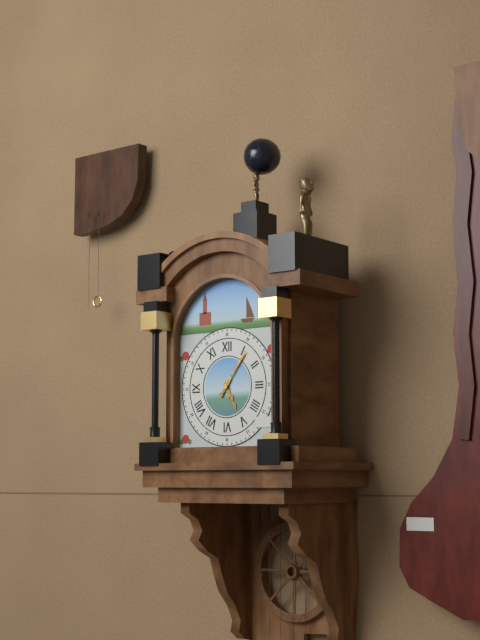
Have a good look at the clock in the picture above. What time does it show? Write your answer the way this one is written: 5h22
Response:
5h06
